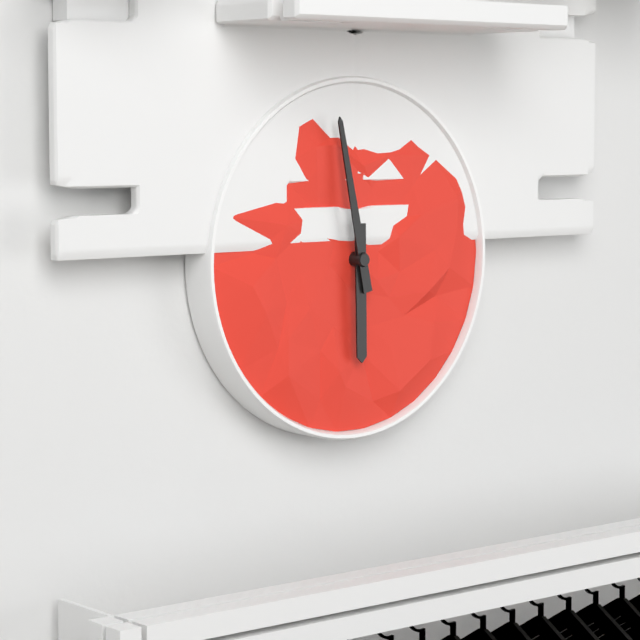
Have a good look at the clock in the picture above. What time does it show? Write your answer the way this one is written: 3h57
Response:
5h58
